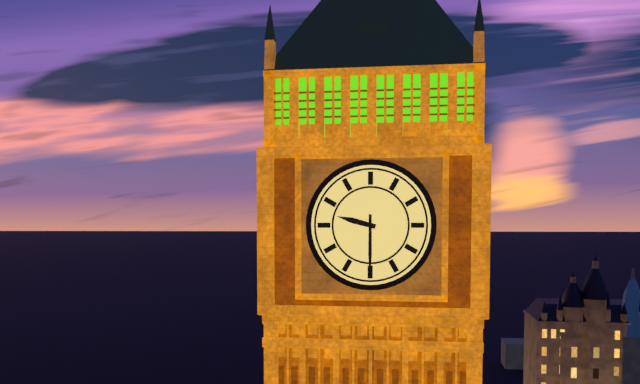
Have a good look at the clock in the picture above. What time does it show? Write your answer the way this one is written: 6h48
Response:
9h30
